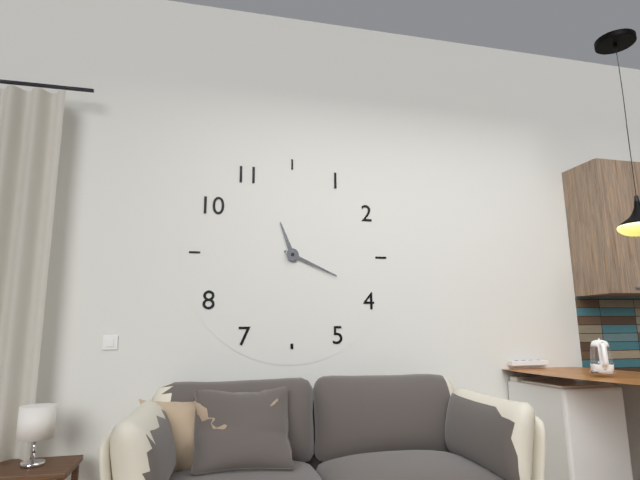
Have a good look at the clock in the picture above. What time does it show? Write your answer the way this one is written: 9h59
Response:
11h19
